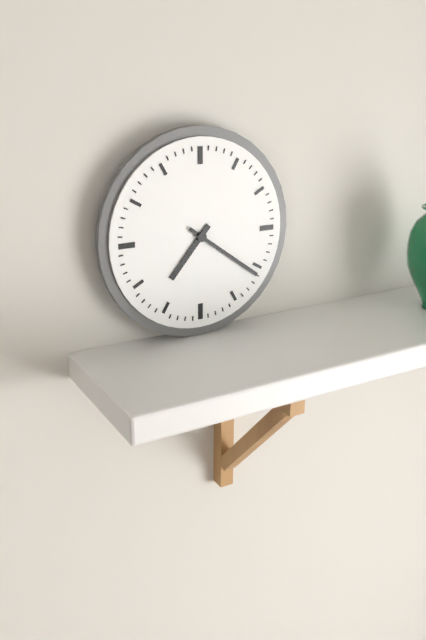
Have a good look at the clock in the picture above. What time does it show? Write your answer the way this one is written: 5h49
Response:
7h21
